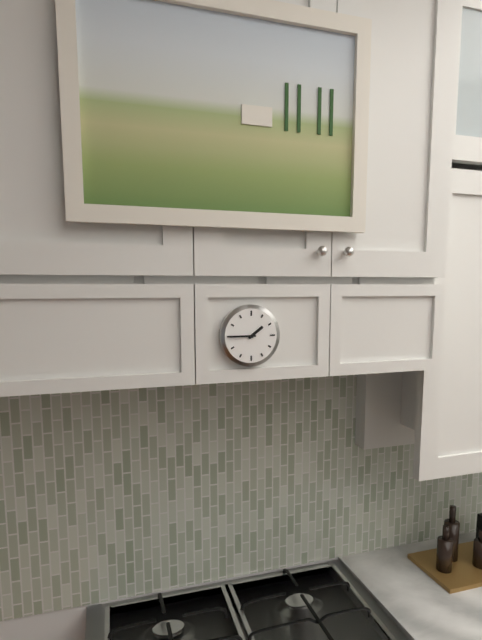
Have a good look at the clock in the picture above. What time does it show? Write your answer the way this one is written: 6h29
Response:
1h45
